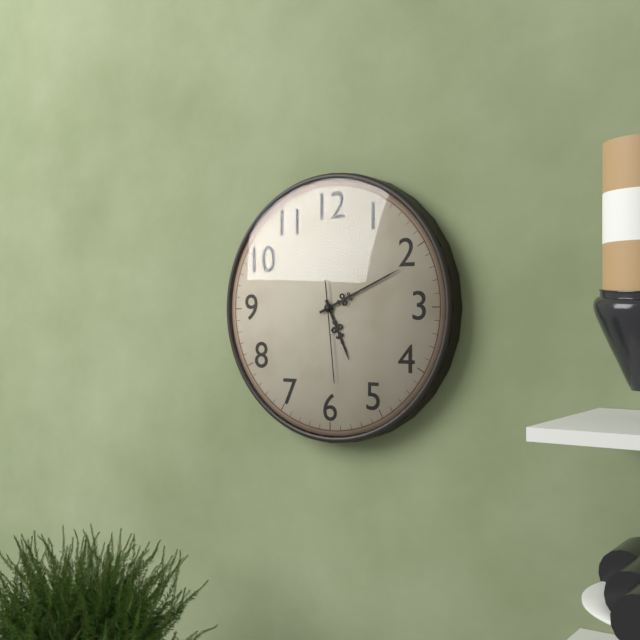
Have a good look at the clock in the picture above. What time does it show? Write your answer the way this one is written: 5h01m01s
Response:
5h11m29s
